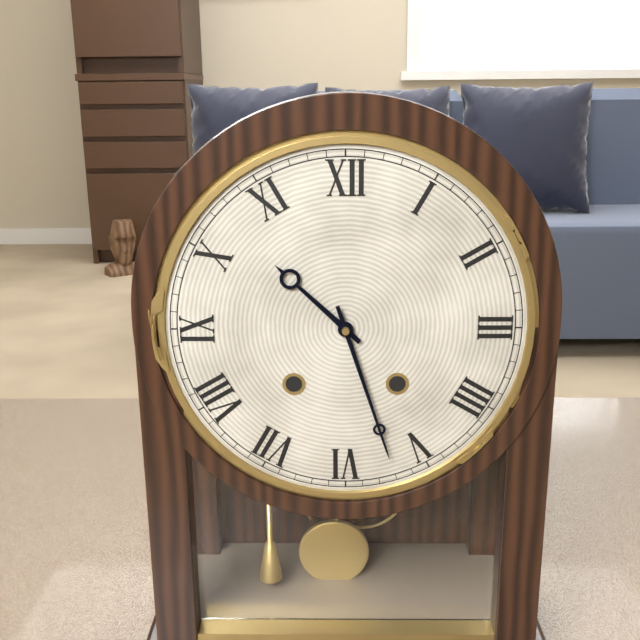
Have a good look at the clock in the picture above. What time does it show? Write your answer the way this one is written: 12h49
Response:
10h27
